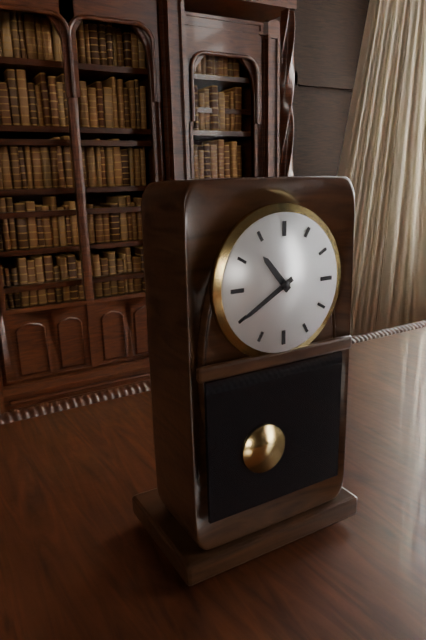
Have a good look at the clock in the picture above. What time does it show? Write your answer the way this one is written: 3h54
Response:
10h40
